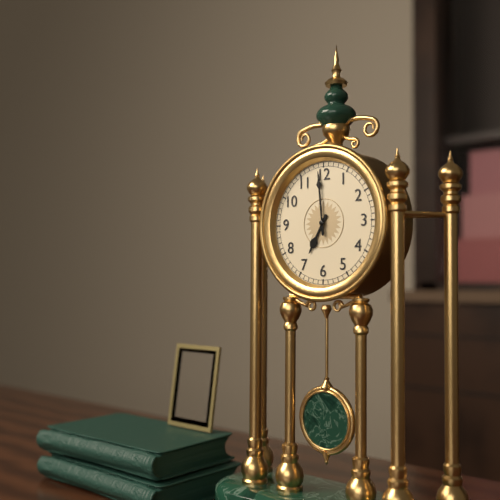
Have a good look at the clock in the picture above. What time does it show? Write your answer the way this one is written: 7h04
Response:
6h59
